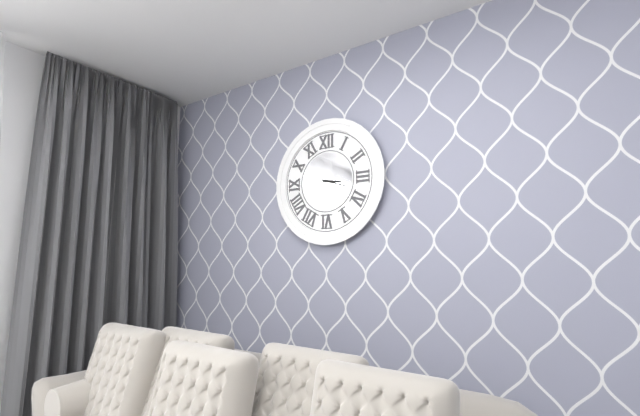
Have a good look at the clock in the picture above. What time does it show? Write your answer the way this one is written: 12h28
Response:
3h18
